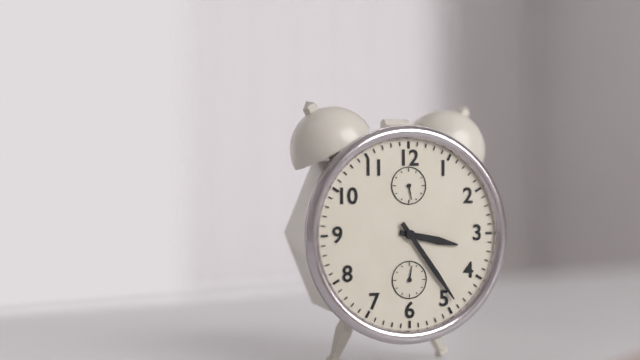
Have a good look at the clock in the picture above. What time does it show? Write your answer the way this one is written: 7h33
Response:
3h24
